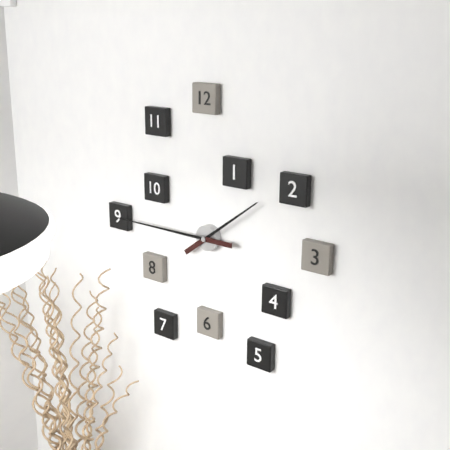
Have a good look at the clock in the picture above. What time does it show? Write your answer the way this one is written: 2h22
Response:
1h45
